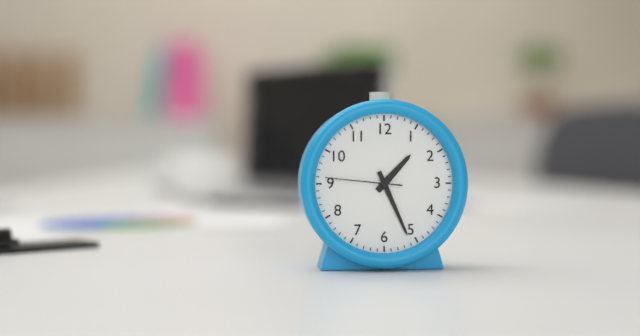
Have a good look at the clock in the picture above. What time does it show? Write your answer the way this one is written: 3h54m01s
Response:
1h26m46s
